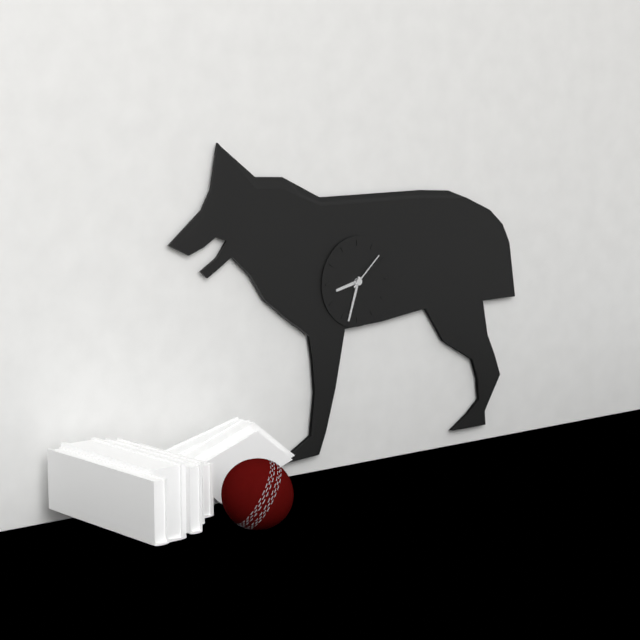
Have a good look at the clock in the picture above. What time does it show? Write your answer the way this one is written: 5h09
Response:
8h33
